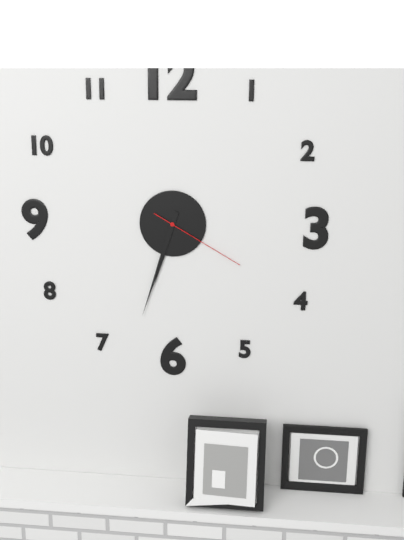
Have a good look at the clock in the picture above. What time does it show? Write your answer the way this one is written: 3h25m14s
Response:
6h33m20s
